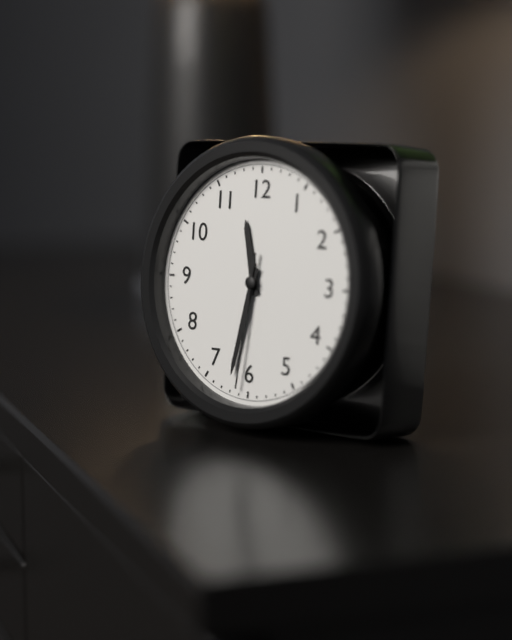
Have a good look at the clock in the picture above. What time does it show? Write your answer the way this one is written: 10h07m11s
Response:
11h32m31s
